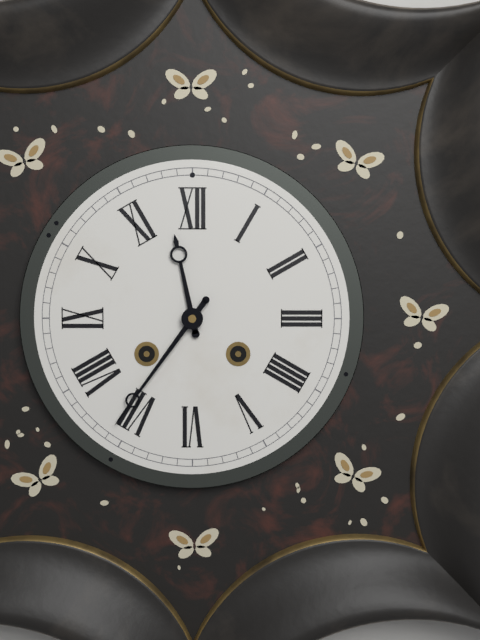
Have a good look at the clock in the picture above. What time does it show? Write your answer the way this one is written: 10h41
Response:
11h36
